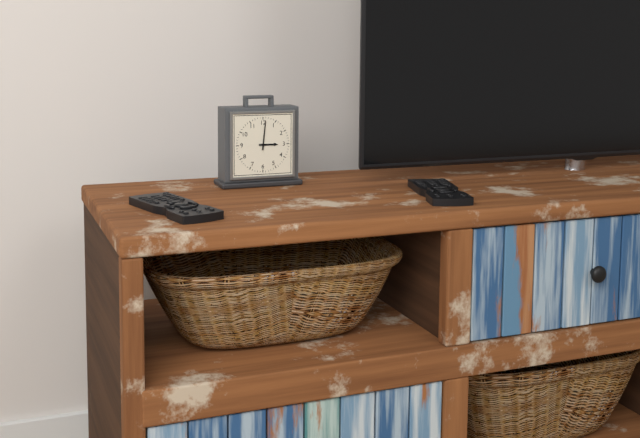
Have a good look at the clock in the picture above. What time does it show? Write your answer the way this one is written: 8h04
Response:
3h01
